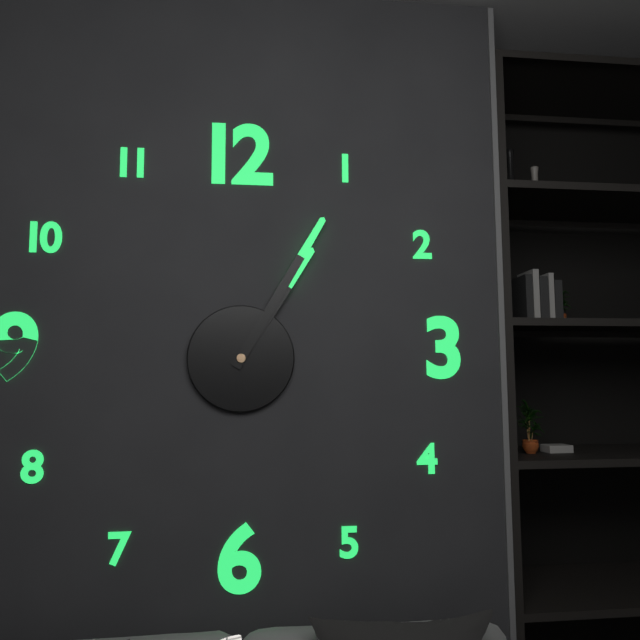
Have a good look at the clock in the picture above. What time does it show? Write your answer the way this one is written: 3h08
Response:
1h05
